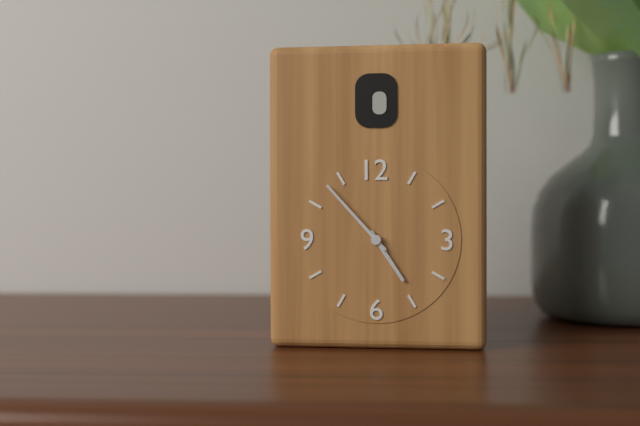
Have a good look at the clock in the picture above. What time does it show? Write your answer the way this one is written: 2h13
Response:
4h53
